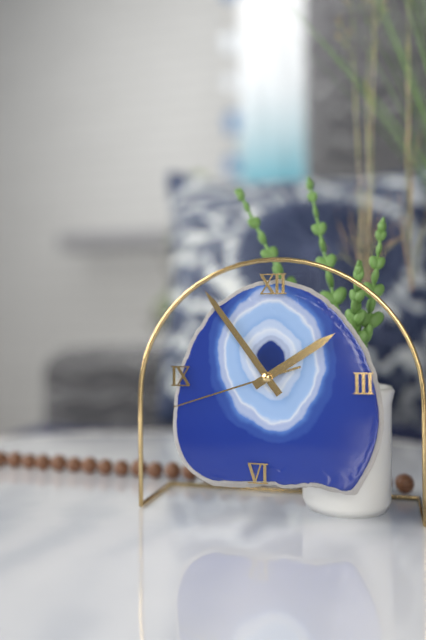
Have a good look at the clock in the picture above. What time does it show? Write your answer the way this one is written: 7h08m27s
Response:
1h54m42s
